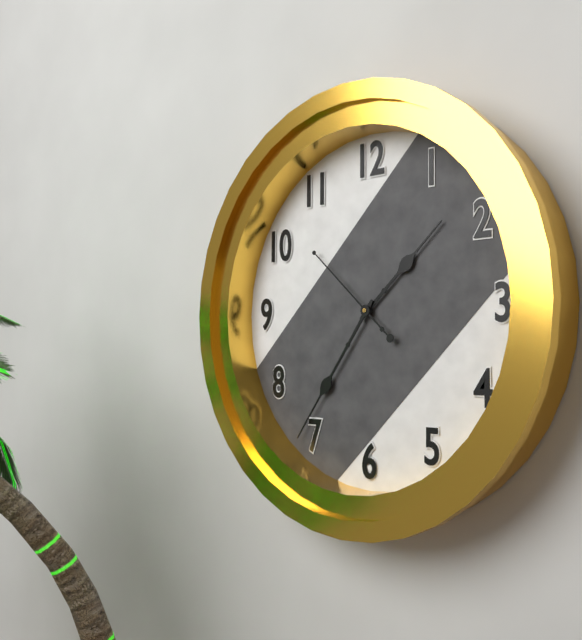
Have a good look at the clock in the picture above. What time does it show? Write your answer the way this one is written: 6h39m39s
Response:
1h36m52s
